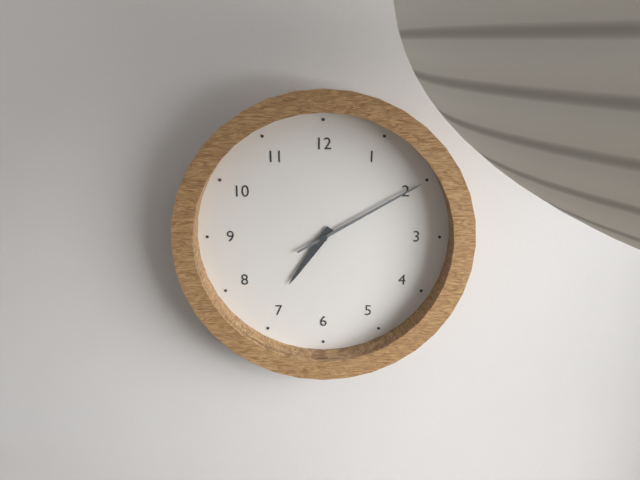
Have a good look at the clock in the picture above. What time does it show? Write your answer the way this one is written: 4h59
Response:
7h10
